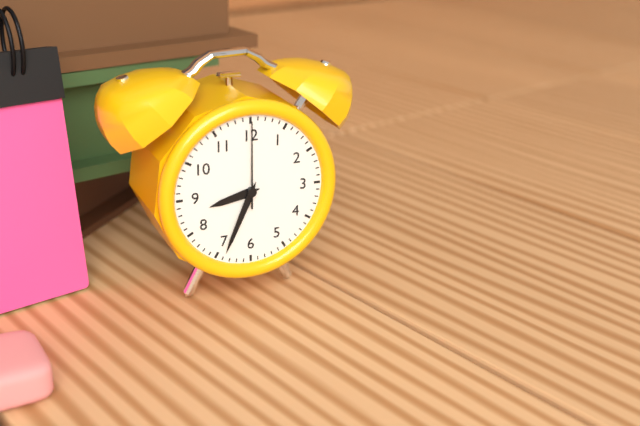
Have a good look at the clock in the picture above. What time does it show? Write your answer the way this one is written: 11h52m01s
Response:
8h34m00s
